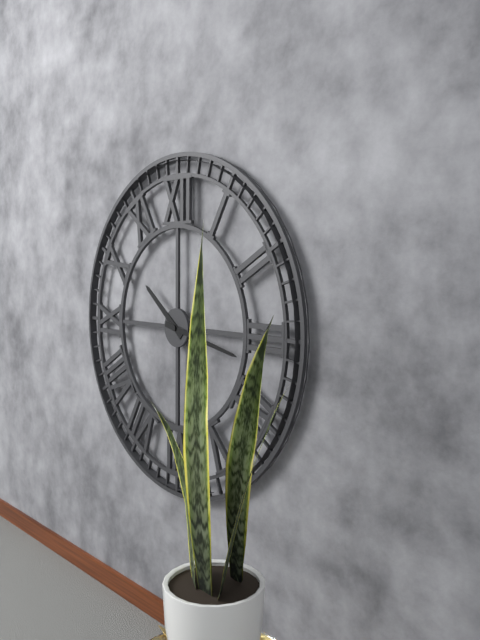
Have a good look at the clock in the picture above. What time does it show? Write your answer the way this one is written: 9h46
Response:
10h17
